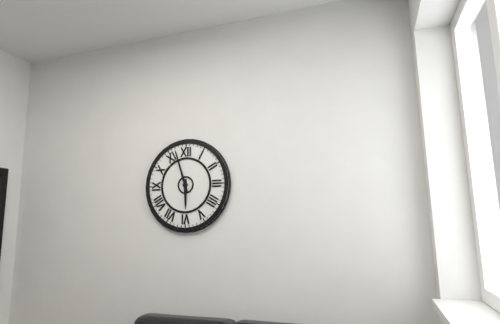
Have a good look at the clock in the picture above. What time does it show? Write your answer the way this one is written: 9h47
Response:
5h57
